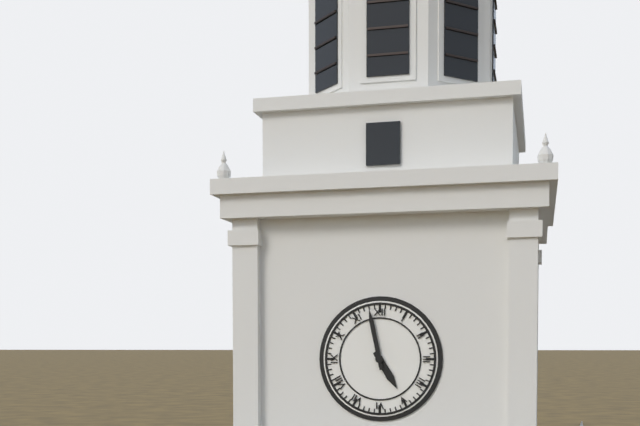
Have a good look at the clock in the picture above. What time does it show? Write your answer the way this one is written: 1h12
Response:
4h58
